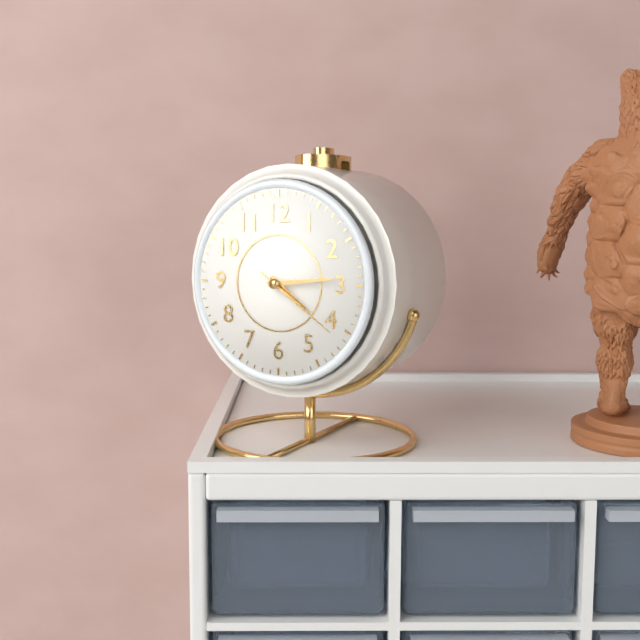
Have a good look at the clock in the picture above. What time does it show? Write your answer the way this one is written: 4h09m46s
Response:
4h14m21s
